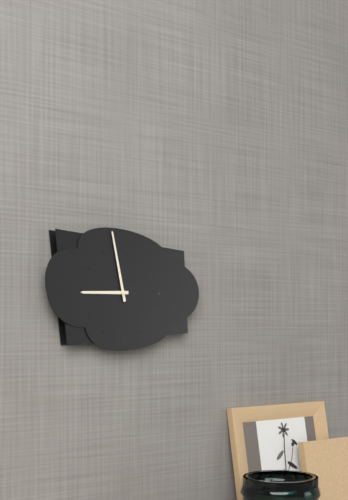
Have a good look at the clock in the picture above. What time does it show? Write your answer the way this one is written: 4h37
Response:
8h58
